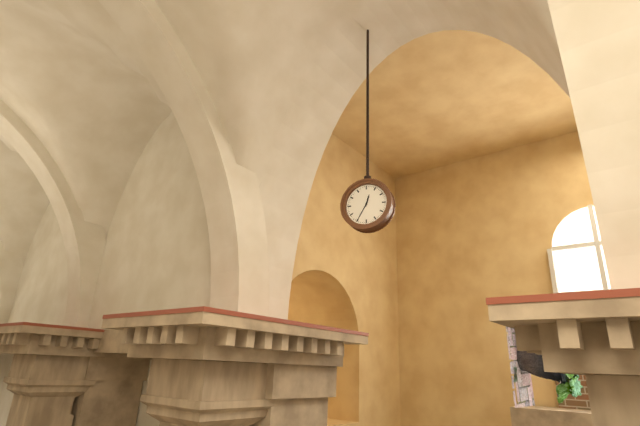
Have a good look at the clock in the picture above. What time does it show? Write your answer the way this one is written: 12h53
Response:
12h35
